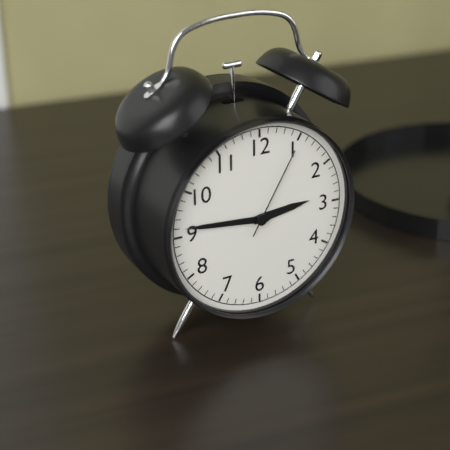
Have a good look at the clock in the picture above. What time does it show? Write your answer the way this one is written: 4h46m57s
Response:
2h46m05s
